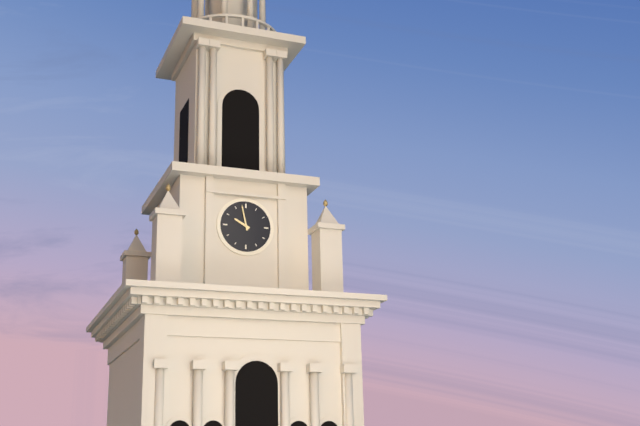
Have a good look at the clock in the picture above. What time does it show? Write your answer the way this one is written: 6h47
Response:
9h58
